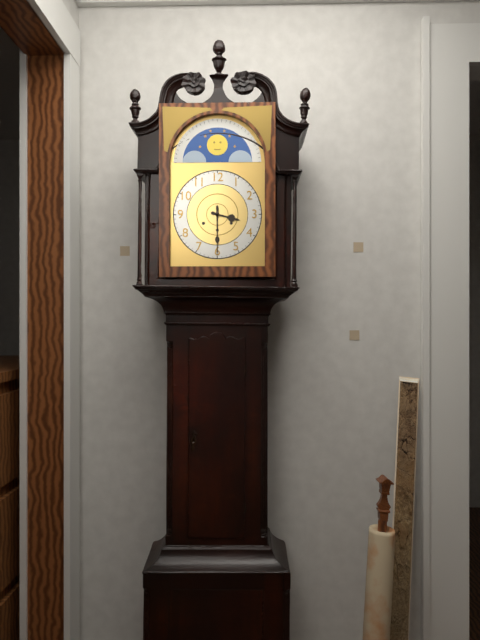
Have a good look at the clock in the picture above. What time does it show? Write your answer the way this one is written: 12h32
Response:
3h30
